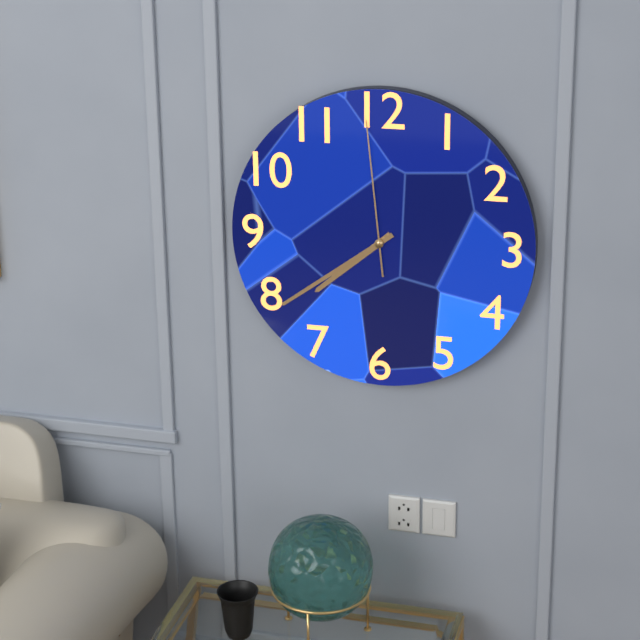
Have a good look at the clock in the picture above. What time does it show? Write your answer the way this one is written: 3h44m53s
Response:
7h39m59s
